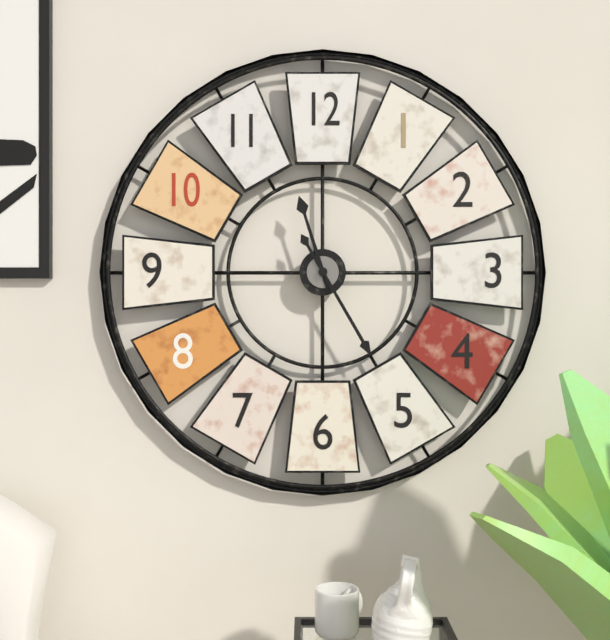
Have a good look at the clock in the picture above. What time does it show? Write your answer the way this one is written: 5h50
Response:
11h25
